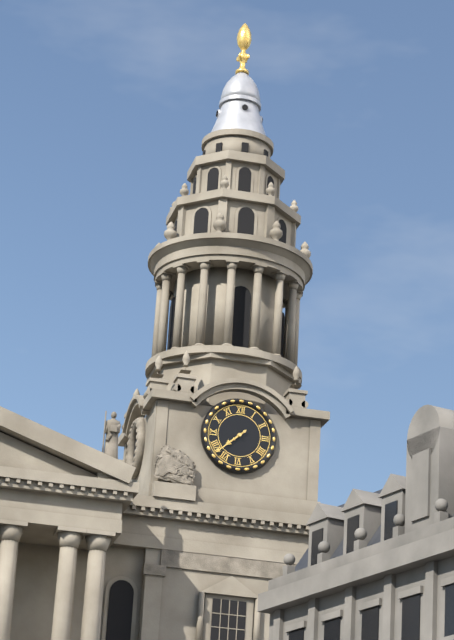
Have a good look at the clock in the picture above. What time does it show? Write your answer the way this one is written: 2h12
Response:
7h38
